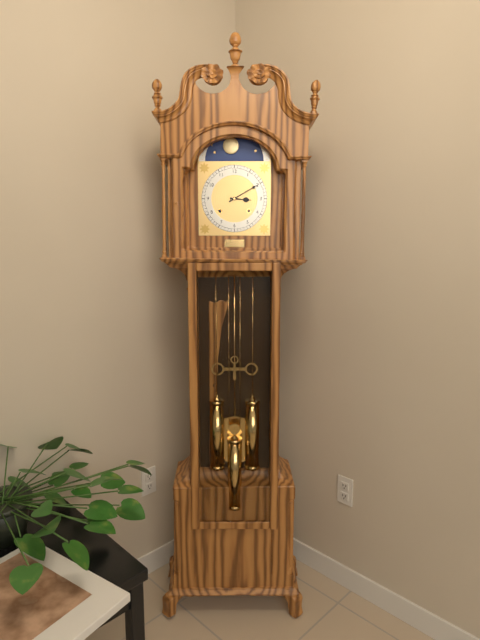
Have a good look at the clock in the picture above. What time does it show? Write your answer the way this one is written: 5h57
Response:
3h10
